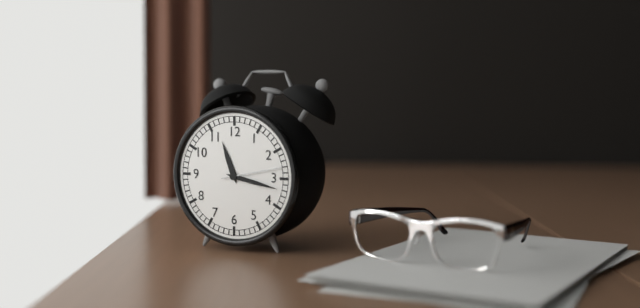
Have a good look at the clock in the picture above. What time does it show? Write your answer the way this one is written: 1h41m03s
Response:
11h17m13s
